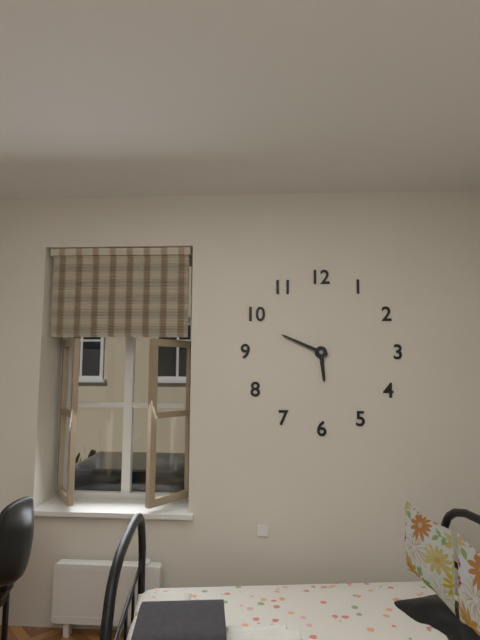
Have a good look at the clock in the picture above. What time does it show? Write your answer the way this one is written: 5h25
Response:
5h49
